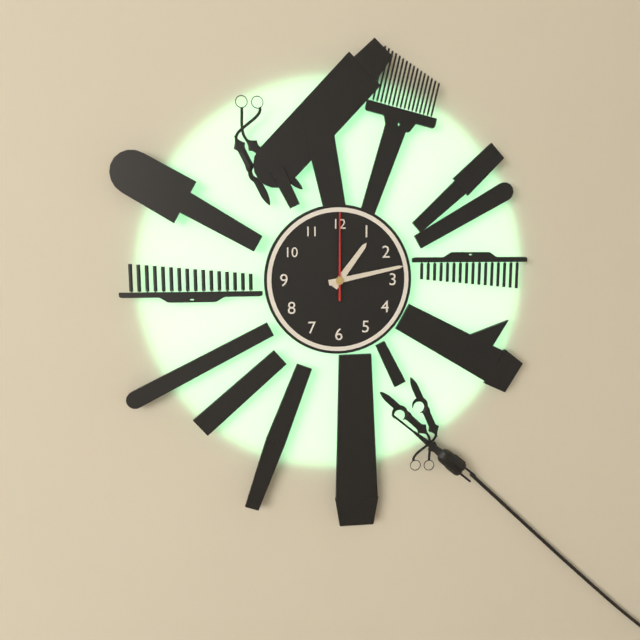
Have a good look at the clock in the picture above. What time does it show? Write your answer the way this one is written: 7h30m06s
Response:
1h13m00s
